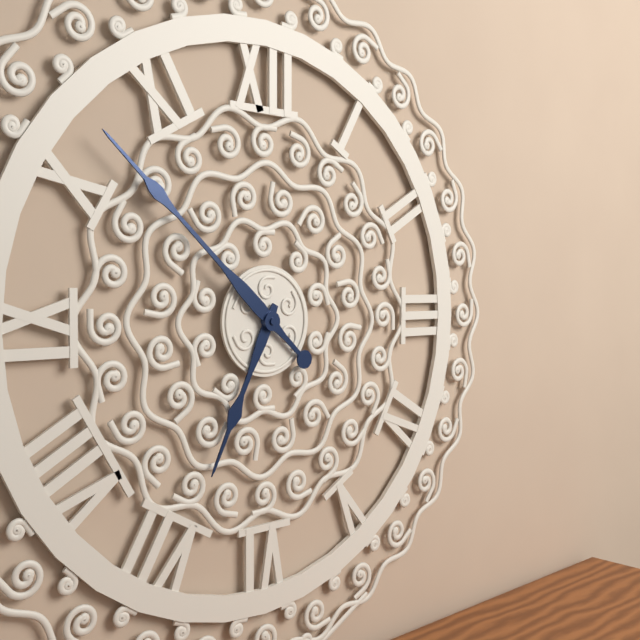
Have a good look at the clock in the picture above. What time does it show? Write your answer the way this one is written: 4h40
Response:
6h52
